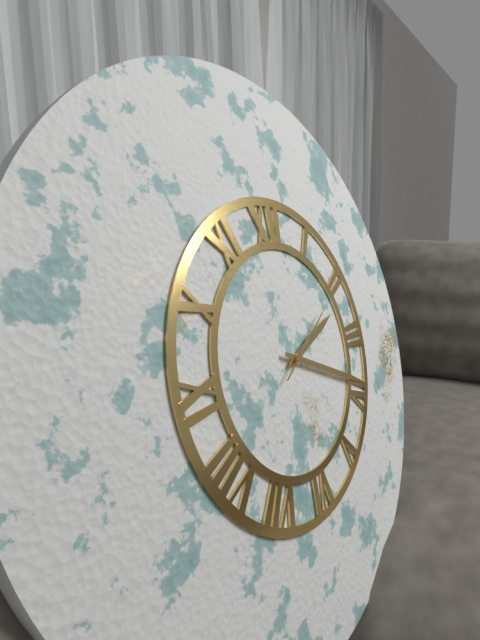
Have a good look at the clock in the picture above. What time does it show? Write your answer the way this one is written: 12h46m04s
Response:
2h19m10s
